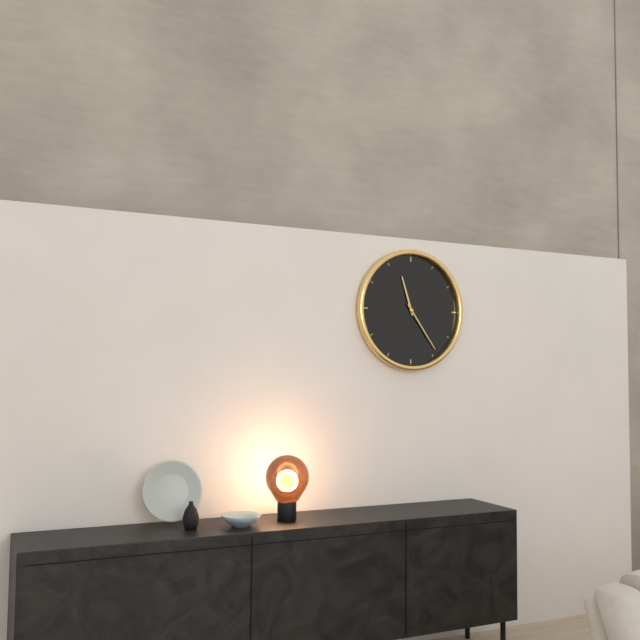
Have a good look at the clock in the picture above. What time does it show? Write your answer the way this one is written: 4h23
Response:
11h24
